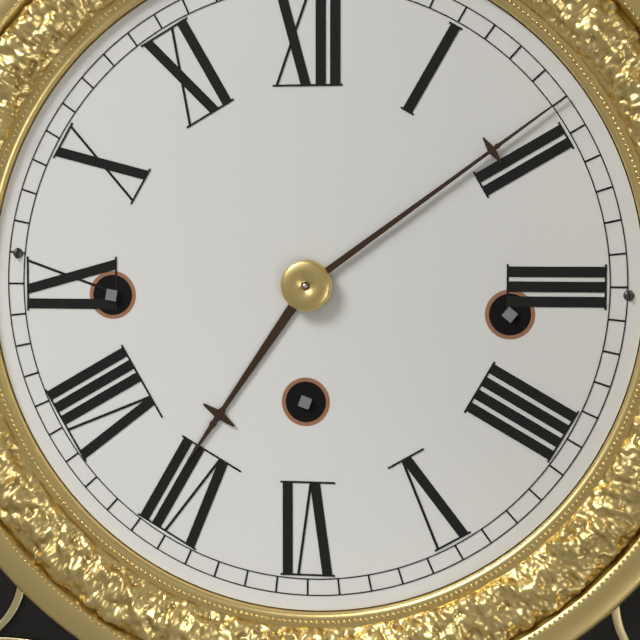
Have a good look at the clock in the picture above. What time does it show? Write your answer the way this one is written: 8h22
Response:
7h09
